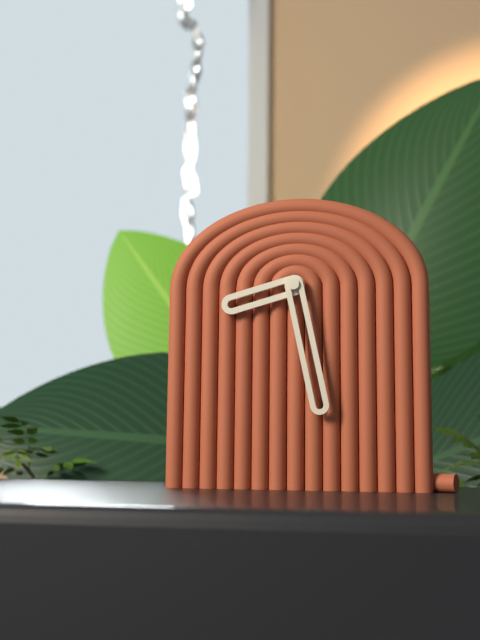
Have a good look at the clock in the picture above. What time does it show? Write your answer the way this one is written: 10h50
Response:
8h28
